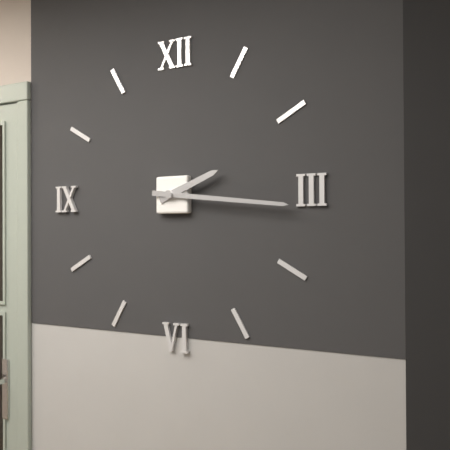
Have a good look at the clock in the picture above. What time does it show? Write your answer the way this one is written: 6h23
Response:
2h16
